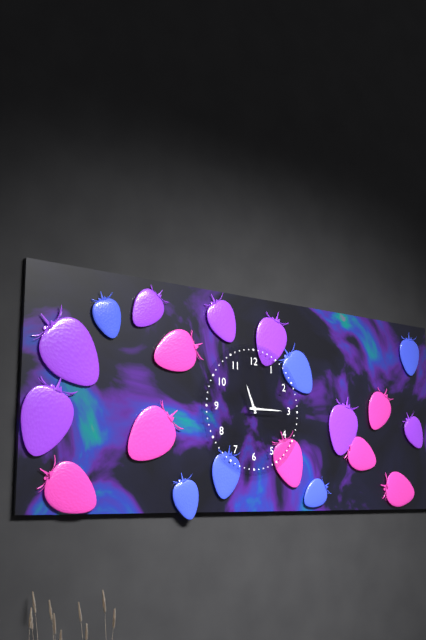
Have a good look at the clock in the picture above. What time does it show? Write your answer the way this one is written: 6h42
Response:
11h15
